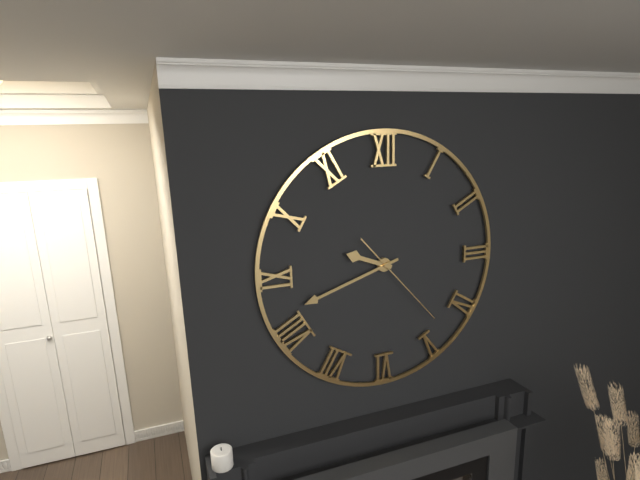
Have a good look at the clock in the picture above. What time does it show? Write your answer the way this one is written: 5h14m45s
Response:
9h42m23s
